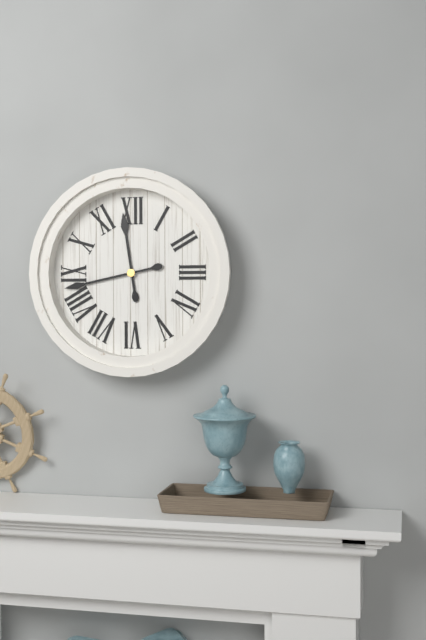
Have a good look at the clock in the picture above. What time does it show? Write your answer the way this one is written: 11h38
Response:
11h43
